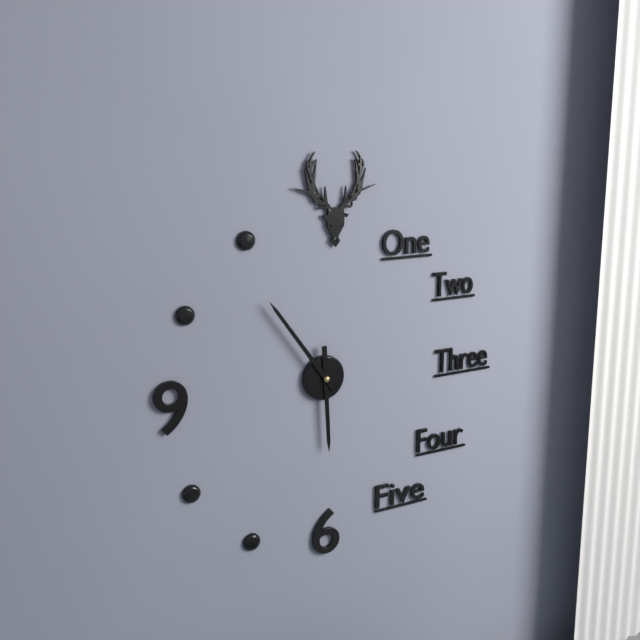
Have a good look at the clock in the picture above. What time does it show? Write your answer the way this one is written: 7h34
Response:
5h54
